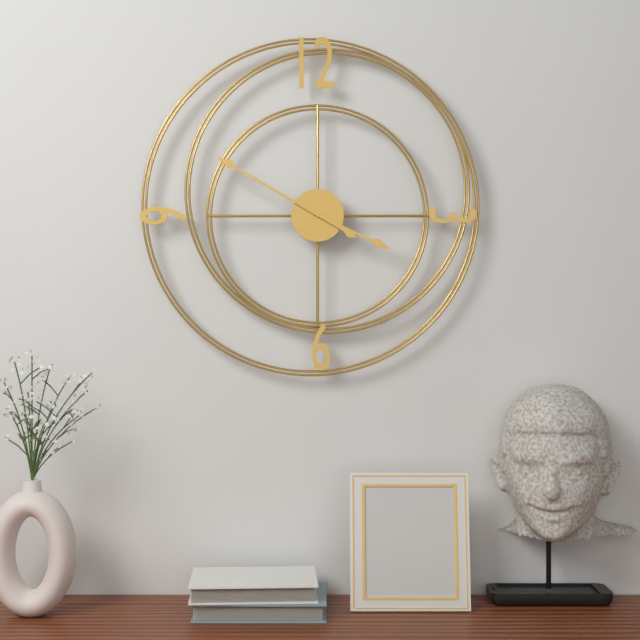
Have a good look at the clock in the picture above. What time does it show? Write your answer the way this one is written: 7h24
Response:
3h50
